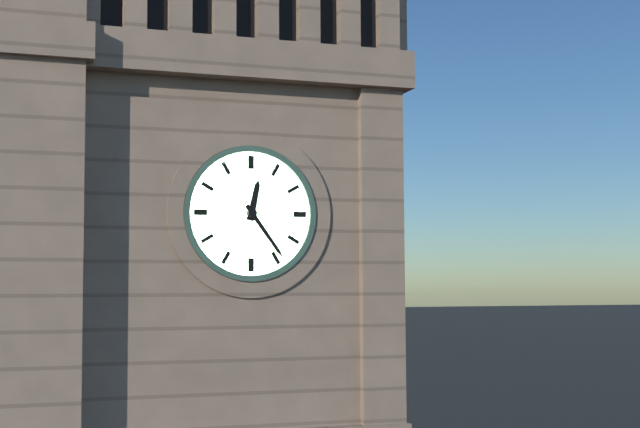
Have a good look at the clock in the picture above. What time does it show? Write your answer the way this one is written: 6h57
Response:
12h24
